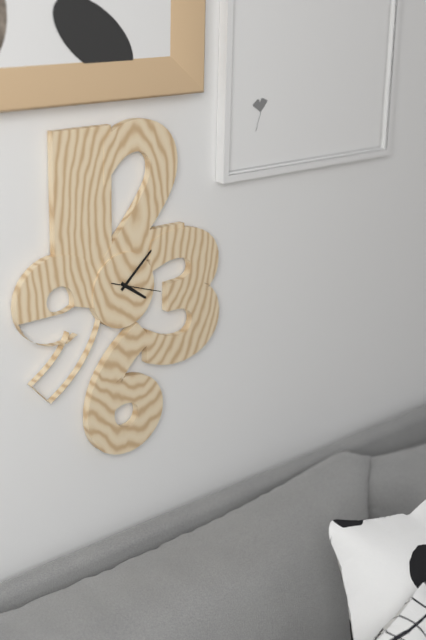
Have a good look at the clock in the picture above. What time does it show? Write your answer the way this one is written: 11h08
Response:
4h08
